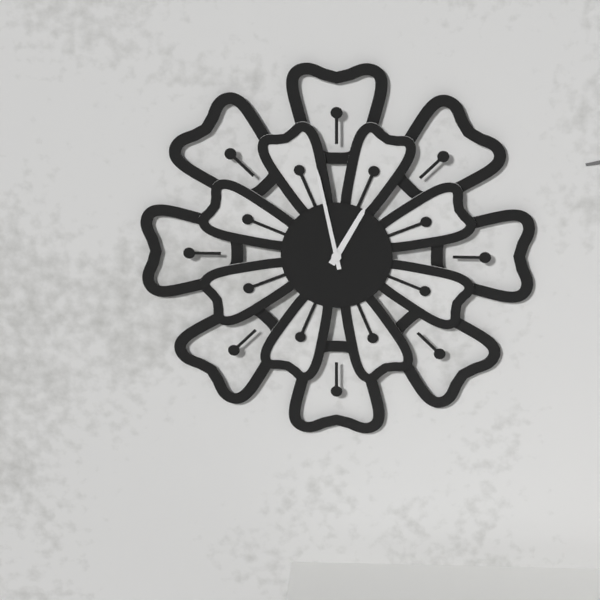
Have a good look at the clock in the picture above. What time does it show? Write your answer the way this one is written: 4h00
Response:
12h58
